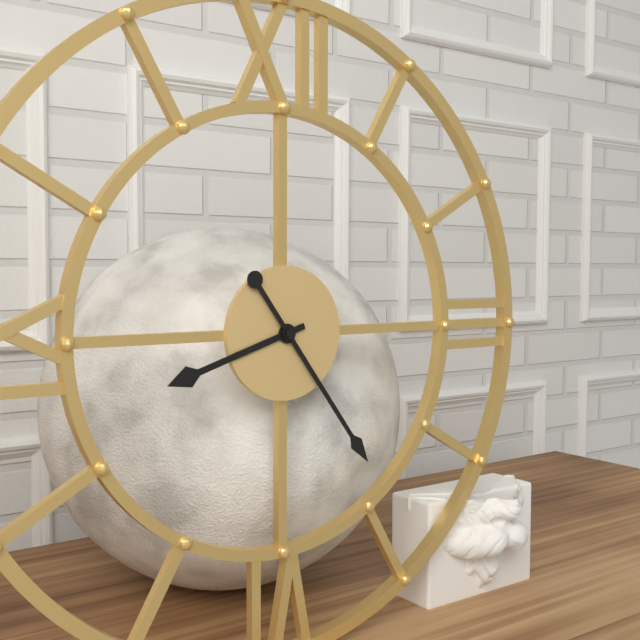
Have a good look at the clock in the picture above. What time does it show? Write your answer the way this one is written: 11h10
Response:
8h24
